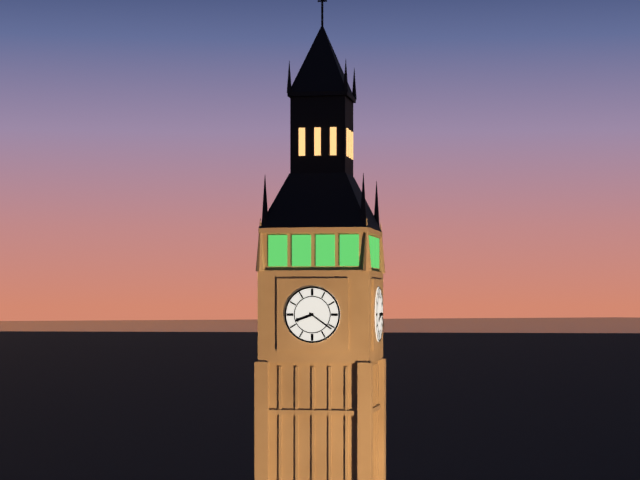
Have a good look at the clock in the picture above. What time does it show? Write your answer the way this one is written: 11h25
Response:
8h21
